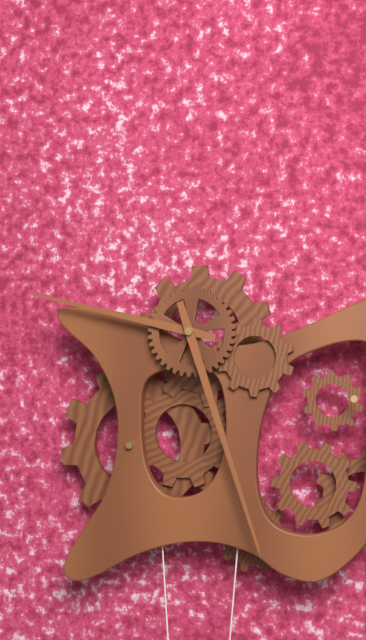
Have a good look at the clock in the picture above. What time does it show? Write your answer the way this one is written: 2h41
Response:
9h27
